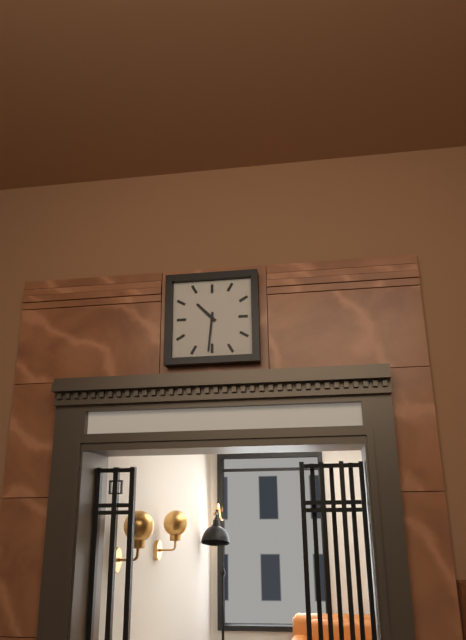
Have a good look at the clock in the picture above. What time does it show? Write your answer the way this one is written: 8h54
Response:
10h31
